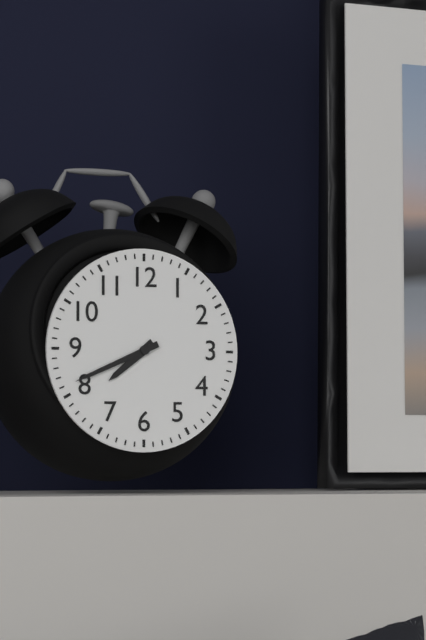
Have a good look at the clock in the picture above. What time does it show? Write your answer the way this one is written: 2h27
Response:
7h41
